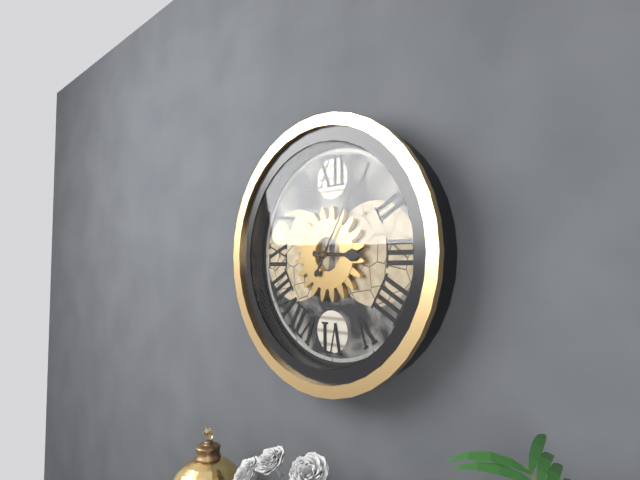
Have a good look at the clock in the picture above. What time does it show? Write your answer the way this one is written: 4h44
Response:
3h05
